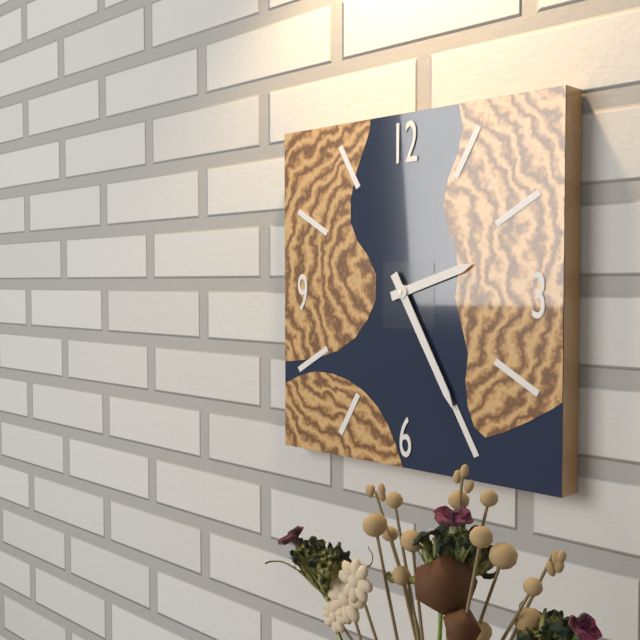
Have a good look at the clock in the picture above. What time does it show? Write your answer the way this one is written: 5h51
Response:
2h25
